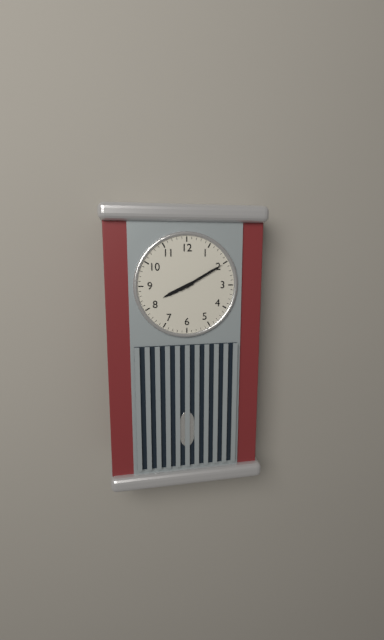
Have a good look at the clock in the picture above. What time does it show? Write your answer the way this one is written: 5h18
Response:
8h10
